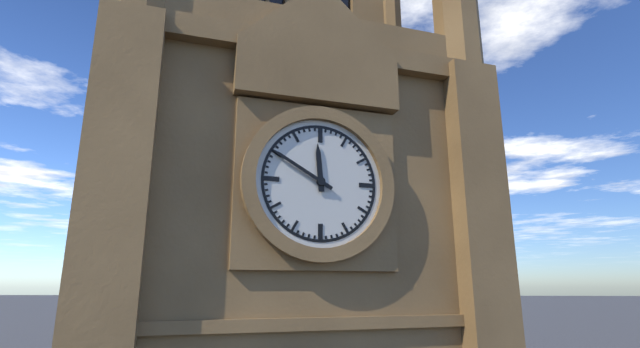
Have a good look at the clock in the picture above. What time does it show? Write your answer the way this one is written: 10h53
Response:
11h50
